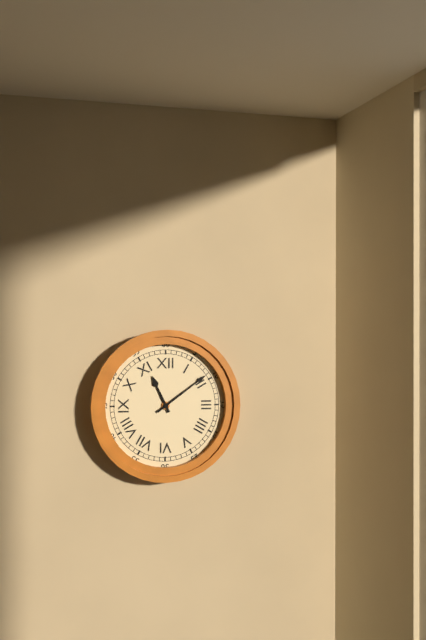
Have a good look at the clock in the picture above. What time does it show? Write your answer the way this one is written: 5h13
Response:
11h09
